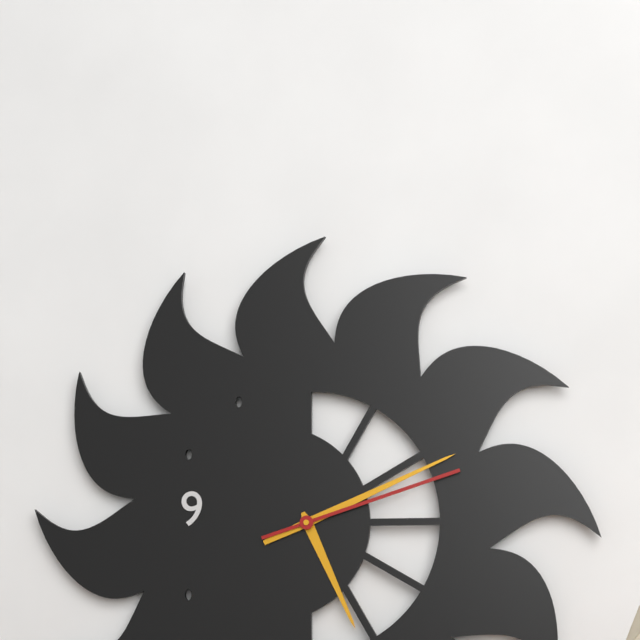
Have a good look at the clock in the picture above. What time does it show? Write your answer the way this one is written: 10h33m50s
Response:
5h11m12s
